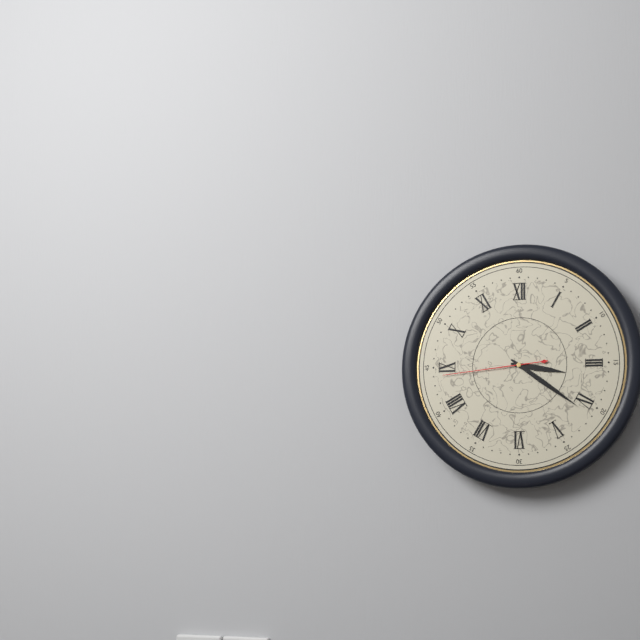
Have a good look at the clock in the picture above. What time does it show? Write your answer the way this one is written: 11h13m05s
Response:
3h21m44s
